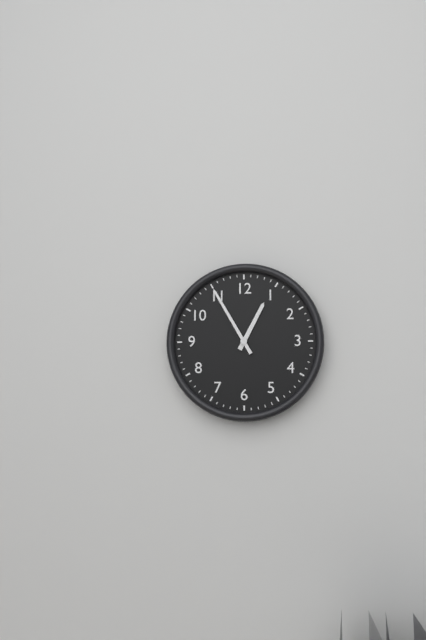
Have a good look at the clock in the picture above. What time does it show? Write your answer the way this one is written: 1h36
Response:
12h55
